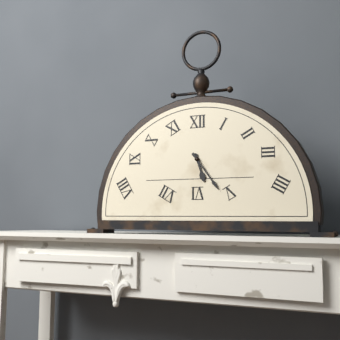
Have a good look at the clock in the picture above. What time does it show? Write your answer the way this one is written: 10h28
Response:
5h24
